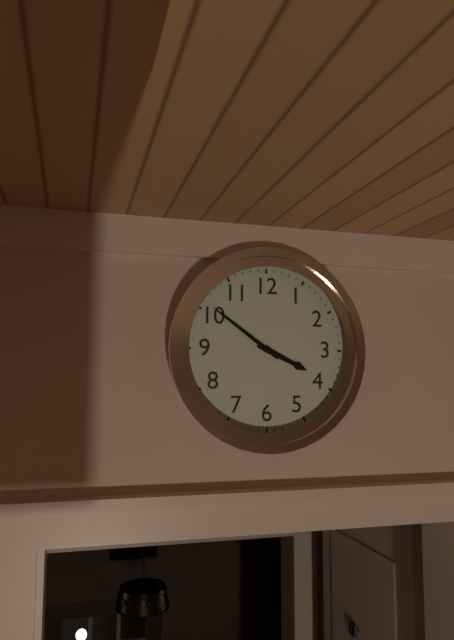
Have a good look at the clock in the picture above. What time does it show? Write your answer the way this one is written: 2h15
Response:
3h51
